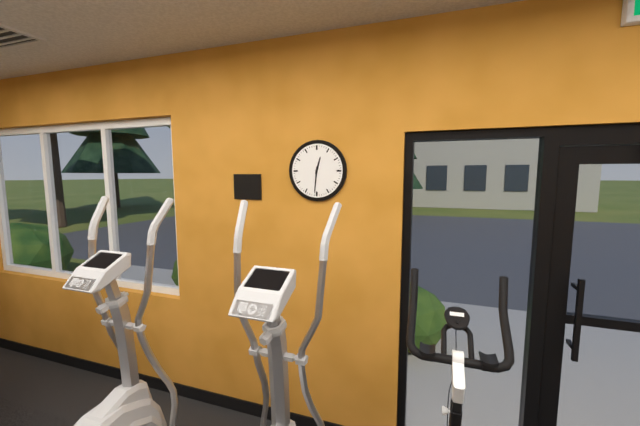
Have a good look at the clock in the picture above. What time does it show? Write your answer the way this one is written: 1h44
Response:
12h31
